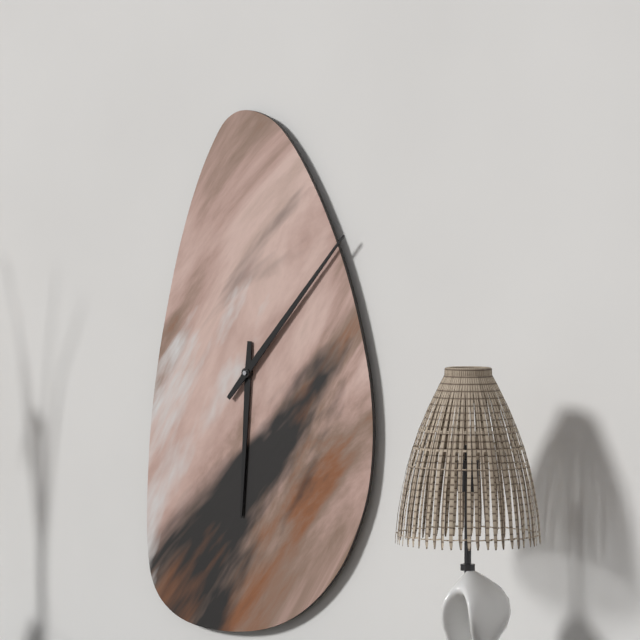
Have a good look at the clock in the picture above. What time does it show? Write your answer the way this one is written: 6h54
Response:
6h07
